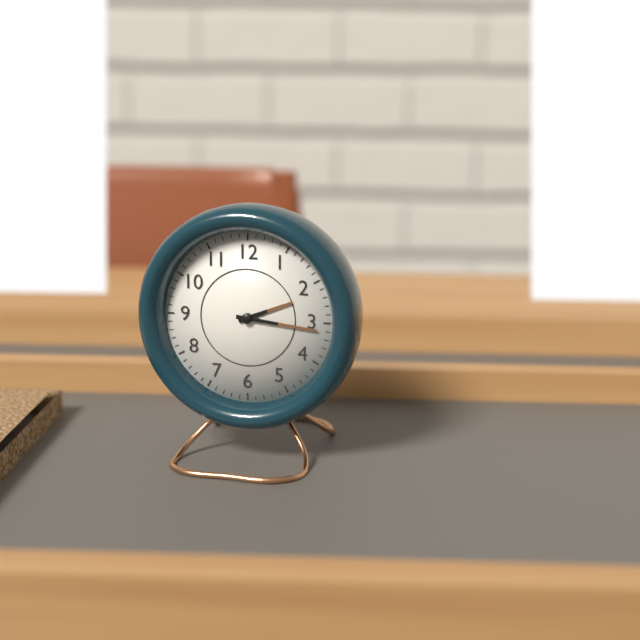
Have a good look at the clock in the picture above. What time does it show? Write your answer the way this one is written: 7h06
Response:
2h16
